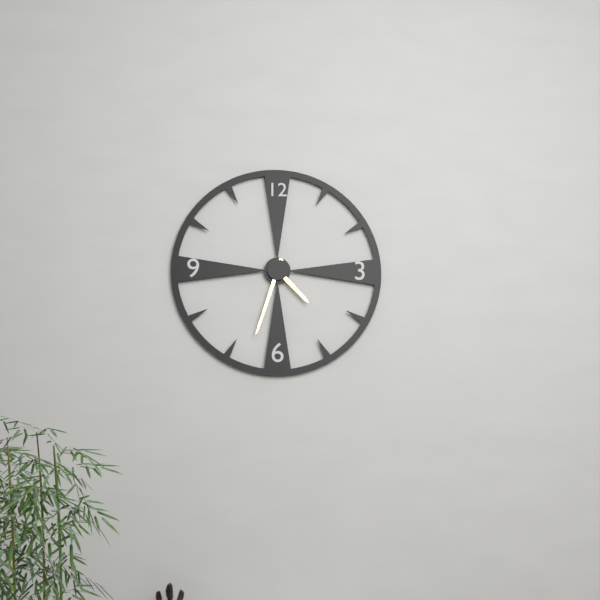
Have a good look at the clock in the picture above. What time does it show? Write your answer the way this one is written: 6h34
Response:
4h33
